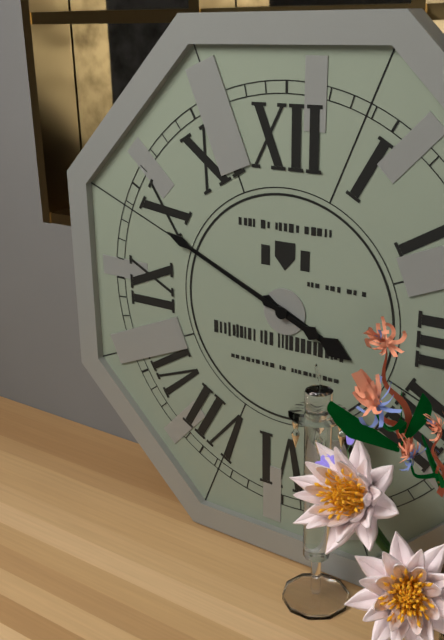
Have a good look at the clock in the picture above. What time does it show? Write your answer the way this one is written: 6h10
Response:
3h49
